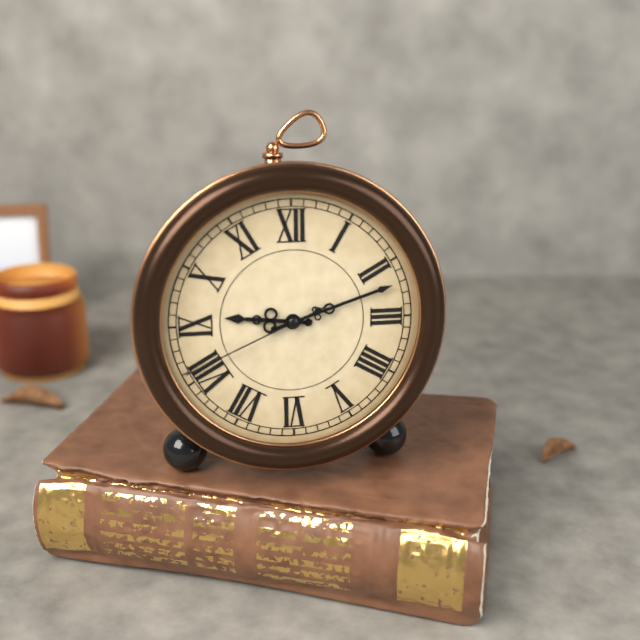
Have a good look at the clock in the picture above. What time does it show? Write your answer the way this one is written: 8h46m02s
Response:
9h12m41s
